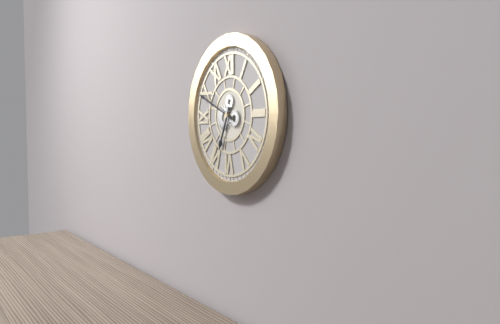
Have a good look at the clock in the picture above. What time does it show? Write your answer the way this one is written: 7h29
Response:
6h49
